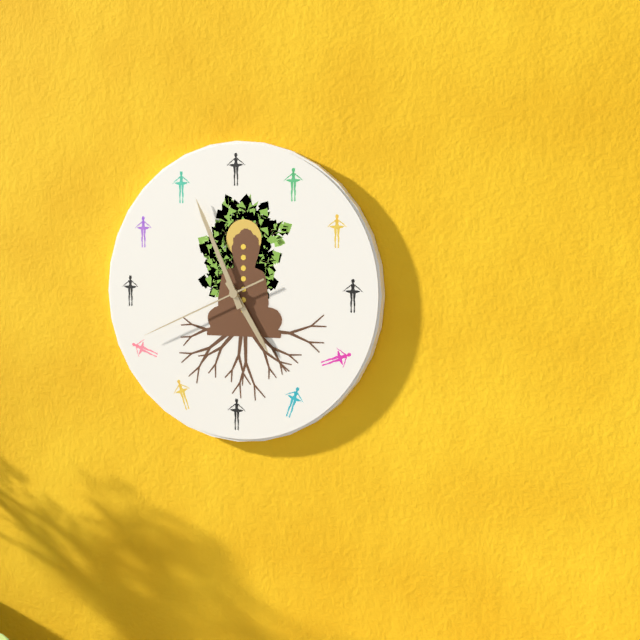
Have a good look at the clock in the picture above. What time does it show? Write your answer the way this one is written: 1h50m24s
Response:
4h56m41s
